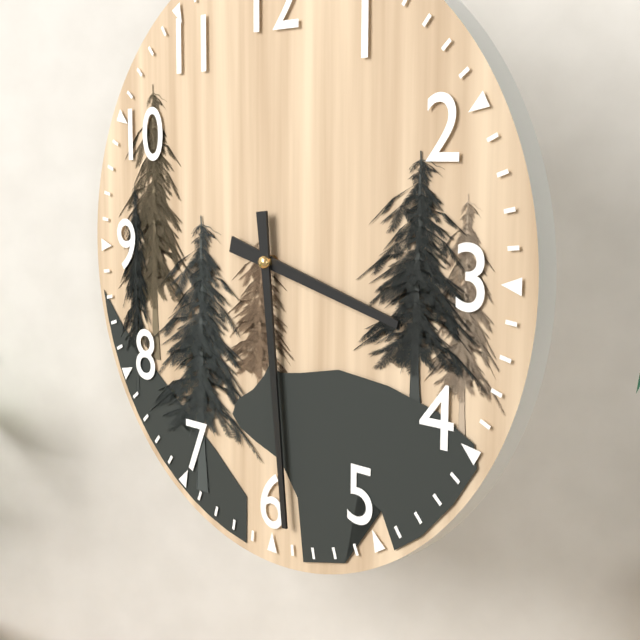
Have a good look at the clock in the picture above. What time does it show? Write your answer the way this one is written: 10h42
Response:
3h29
